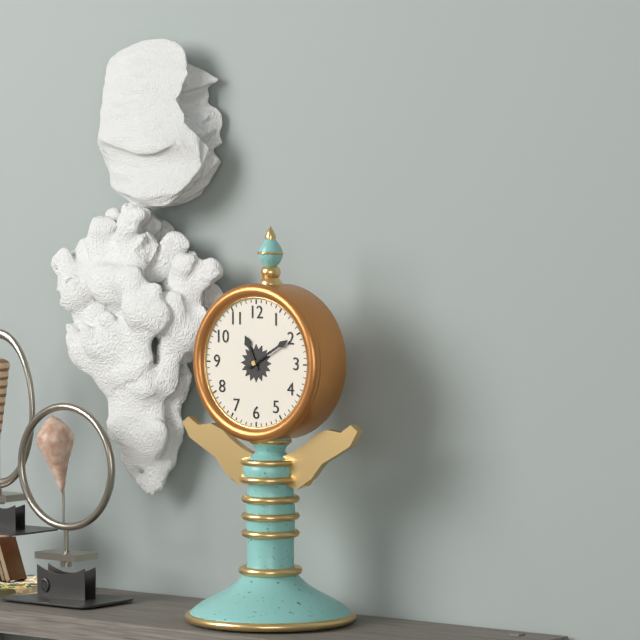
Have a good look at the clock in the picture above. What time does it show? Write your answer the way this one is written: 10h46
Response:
11h10
